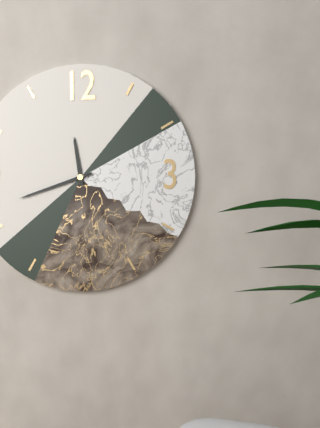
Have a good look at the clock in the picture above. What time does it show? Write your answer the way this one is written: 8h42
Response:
11h42
